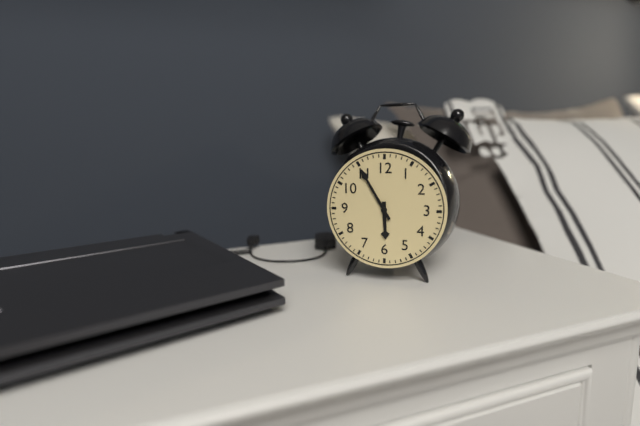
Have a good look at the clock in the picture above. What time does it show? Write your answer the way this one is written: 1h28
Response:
5h55
